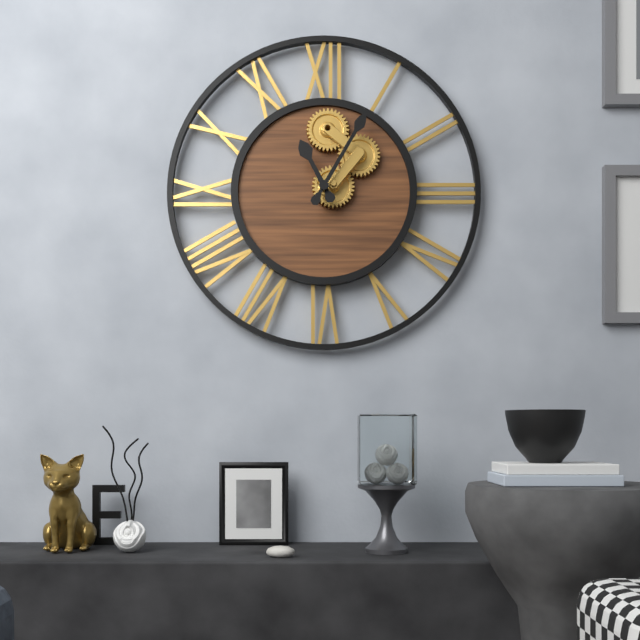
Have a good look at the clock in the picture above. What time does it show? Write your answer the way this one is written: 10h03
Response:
11h05
